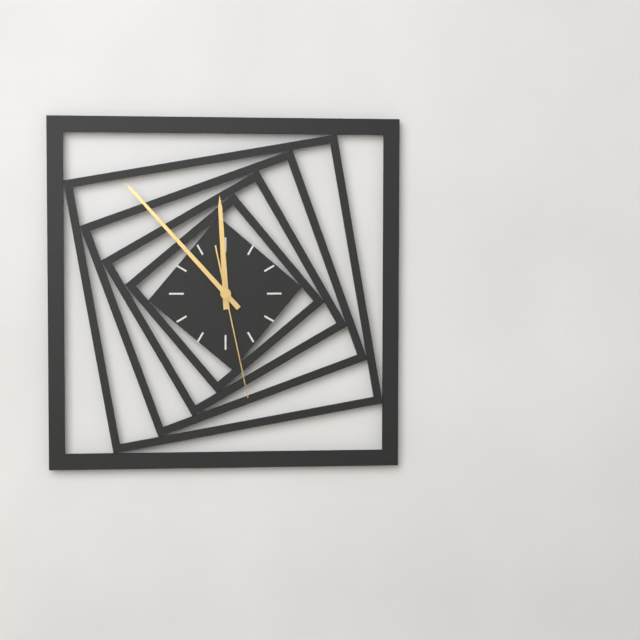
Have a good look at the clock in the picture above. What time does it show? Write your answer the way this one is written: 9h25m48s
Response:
11h53m28s
